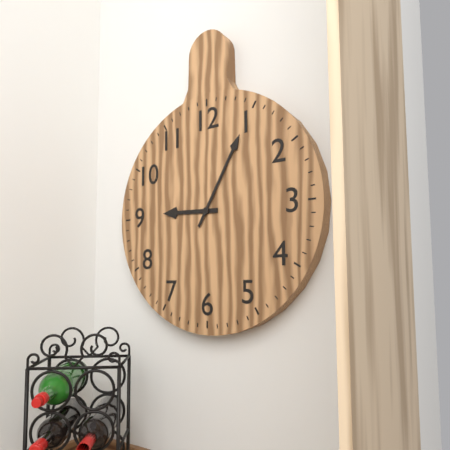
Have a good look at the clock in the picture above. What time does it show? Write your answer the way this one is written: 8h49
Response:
9h05
